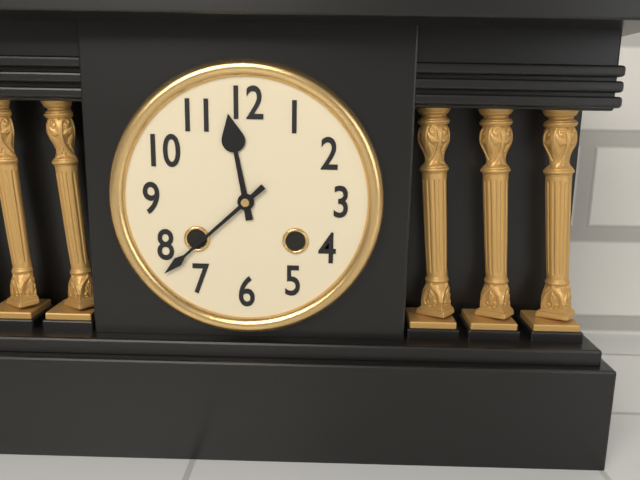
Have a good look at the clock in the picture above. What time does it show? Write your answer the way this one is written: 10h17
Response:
11h38
